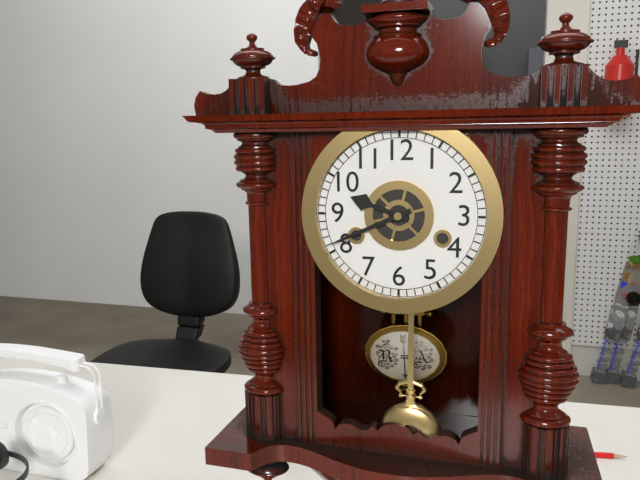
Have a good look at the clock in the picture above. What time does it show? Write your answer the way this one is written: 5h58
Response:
9h41
